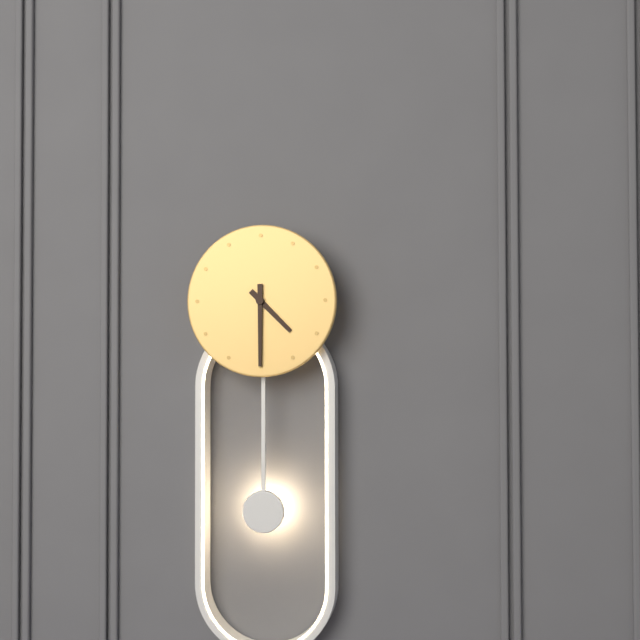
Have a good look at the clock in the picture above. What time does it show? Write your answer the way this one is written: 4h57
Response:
4h30
